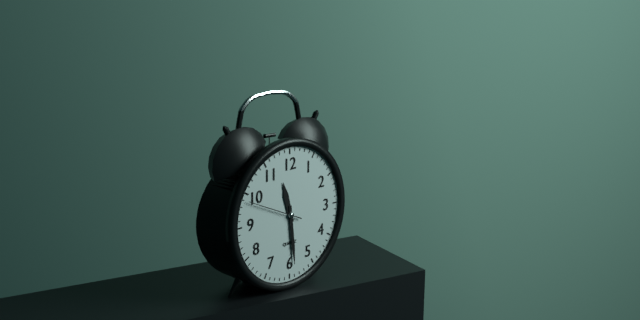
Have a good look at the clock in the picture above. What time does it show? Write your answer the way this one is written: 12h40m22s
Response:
11h29m49s
